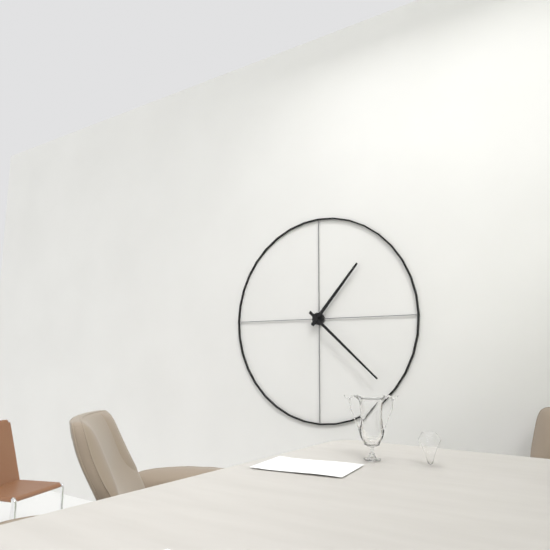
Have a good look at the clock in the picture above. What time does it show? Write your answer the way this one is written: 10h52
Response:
1h22
